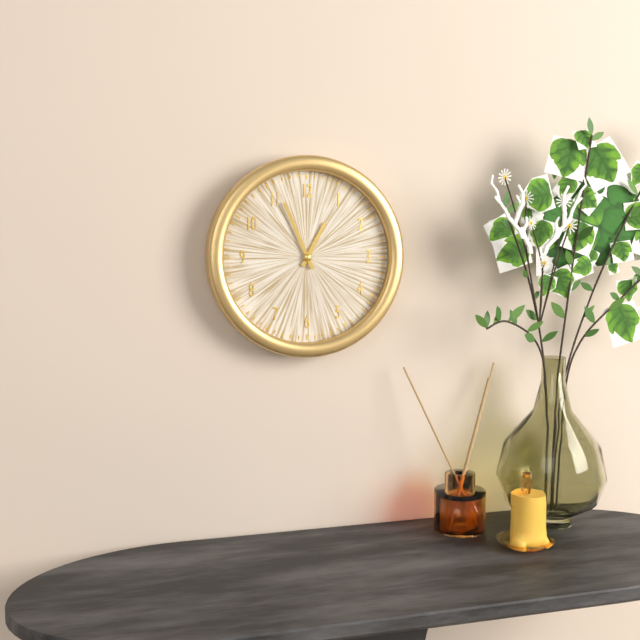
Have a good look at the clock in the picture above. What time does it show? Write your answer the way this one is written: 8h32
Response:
12h56
